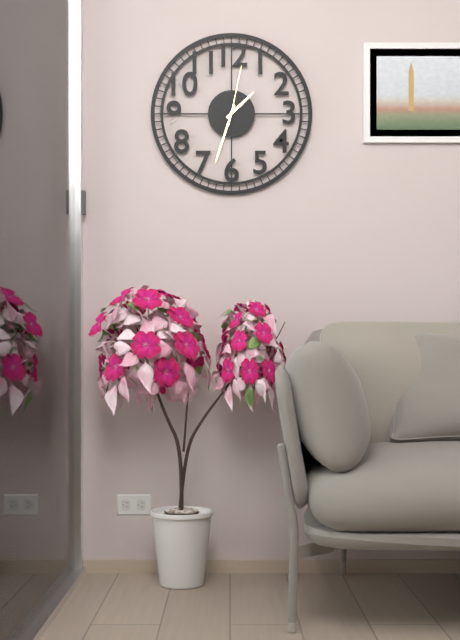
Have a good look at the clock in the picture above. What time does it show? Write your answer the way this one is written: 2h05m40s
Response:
1h33m02s
